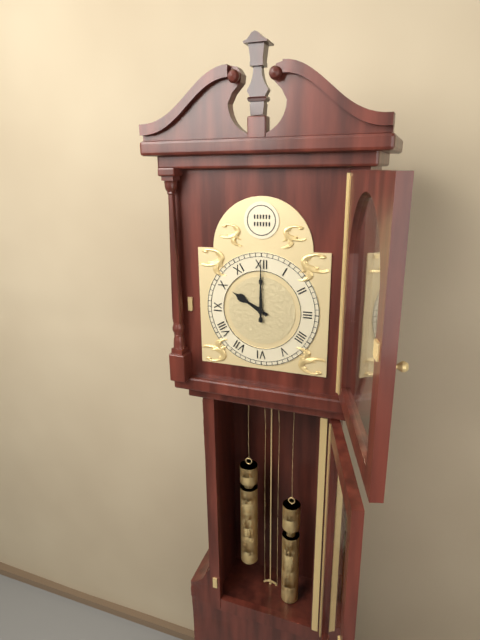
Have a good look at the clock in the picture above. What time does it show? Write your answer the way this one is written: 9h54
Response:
10h00
